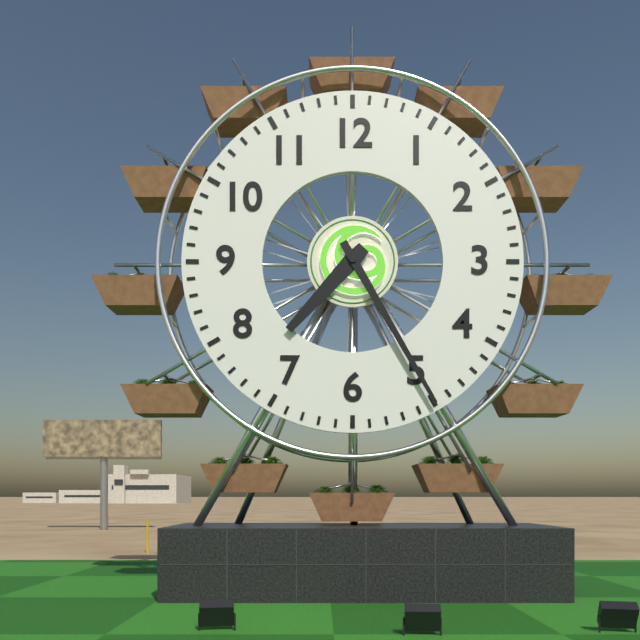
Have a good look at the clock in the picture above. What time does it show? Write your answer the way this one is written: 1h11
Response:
7h25
